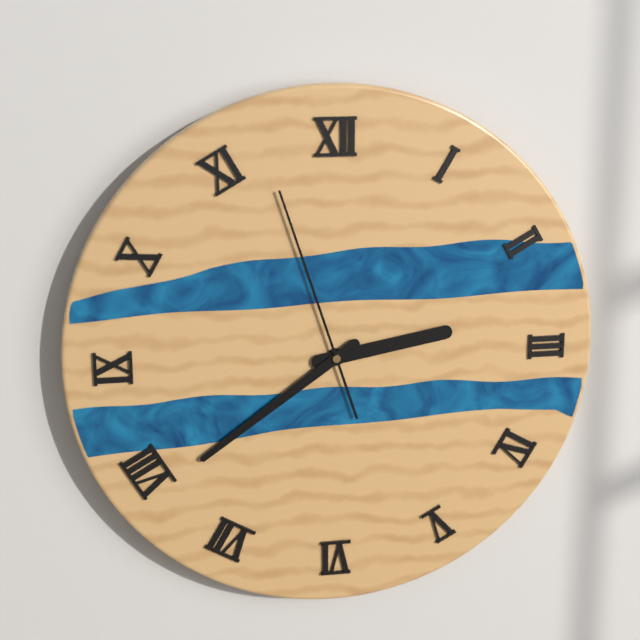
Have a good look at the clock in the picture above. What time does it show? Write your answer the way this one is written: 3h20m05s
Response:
2h39m57s
